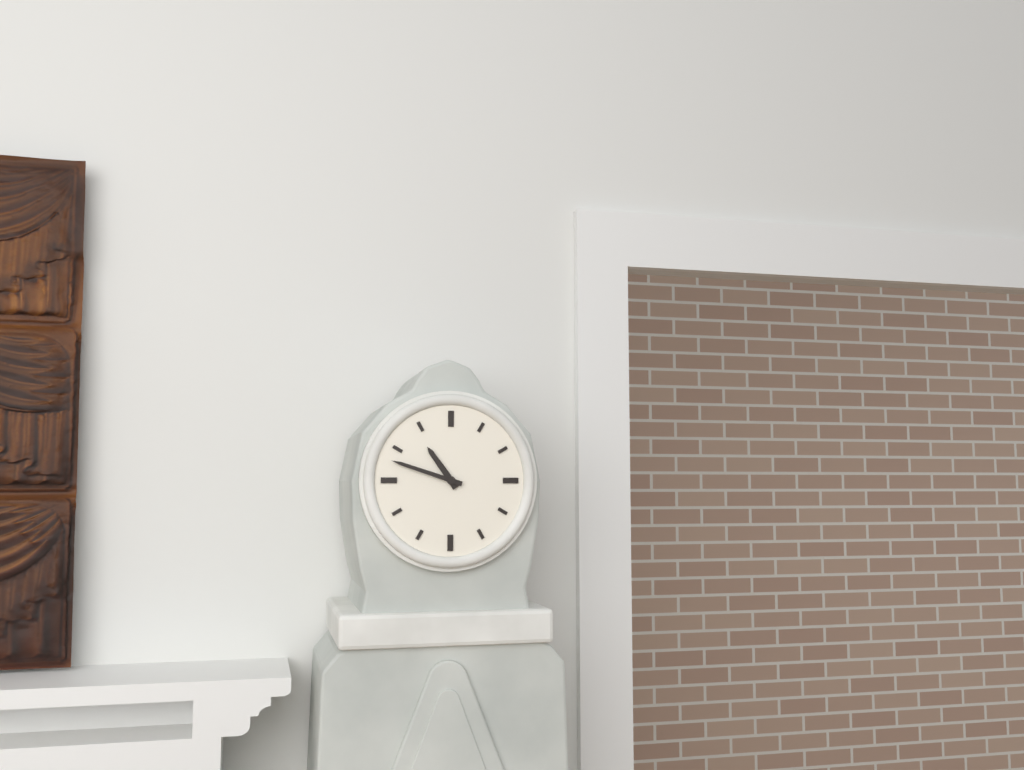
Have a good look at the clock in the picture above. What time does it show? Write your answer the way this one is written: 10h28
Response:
10h48
